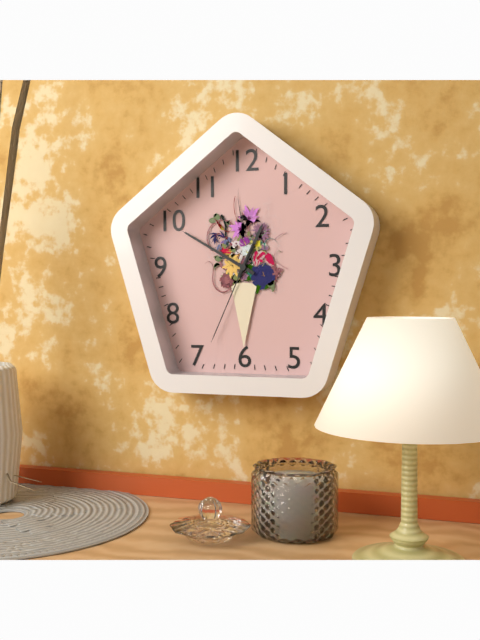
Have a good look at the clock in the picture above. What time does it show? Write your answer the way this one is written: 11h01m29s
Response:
12h50m34s
